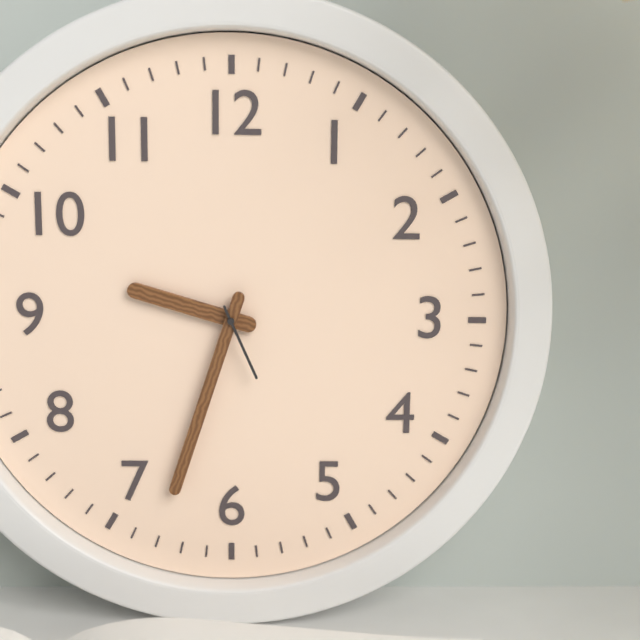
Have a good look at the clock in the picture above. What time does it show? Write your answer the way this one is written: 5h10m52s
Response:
9h33m26s
